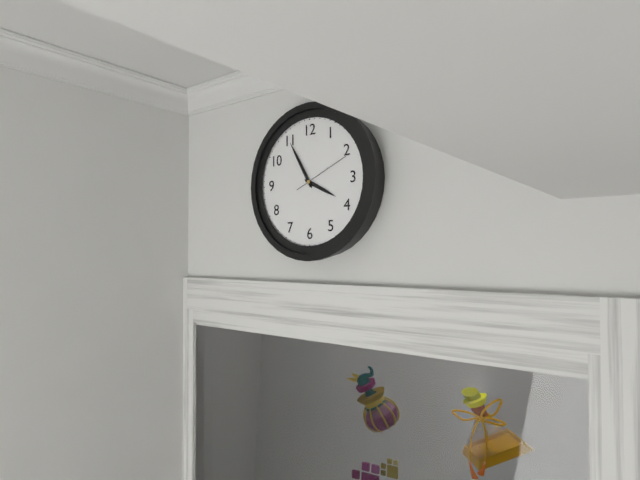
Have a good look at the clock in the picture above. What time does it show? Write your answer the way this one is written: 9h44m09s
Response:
3h55m11s
